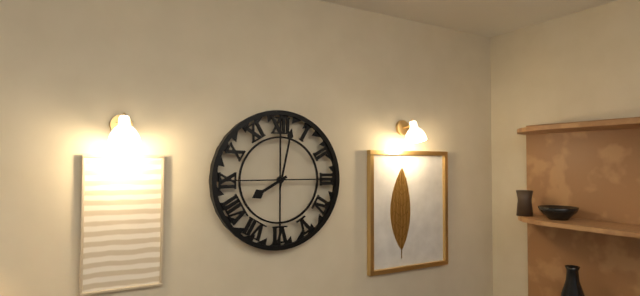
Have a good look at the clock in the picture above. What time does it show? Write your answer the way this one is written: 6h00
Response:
8h02
